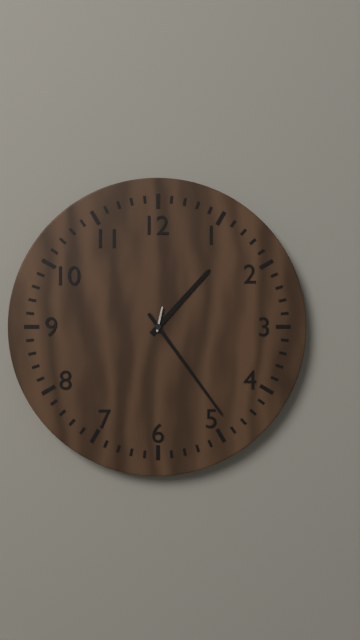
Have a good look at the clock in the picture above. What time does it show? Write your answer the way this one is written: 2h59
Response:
1h24
